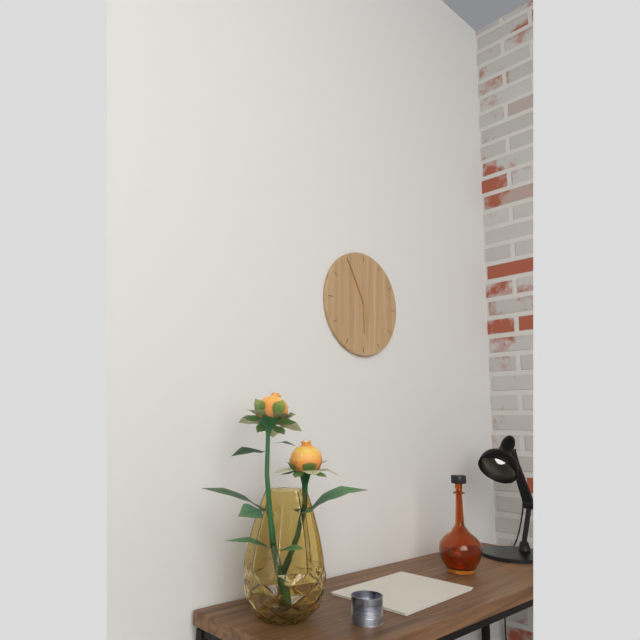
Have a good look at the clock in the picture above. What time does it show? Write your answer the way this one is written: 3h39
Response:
5h55
